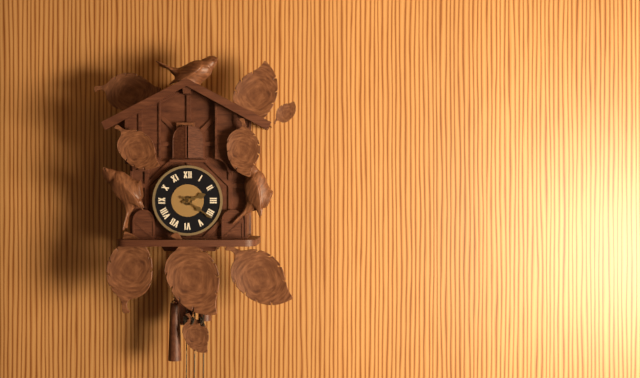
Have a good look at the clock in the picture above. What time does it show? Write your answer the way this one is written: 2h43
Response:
2h21
